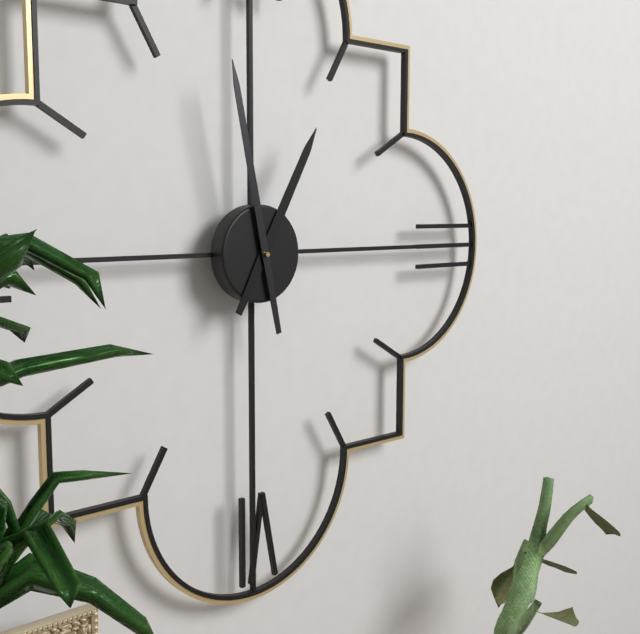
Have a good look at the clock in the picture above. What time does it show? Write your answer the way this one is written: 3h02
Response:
12h58
